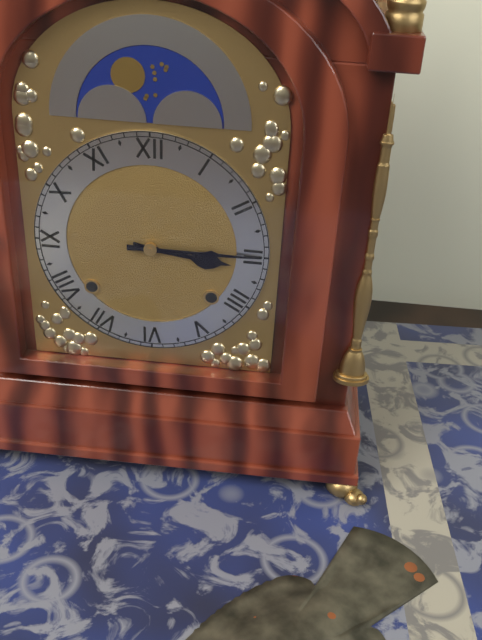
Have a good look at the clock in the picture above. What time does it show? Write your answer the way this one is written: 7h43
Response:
3h15
